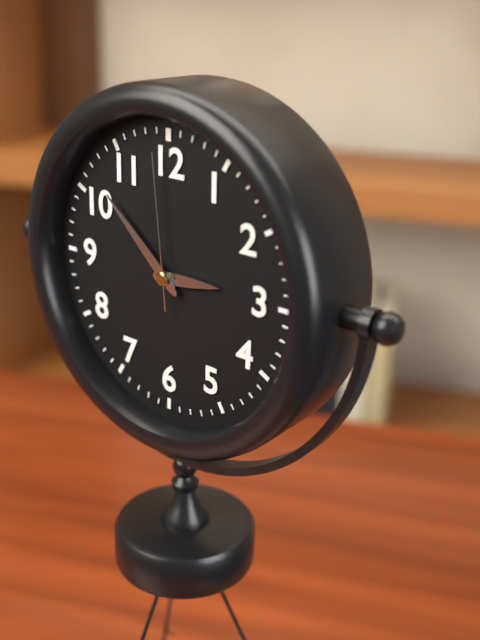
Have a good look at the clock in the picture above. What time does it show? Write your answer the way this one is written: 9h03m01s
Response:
2h52m59s
